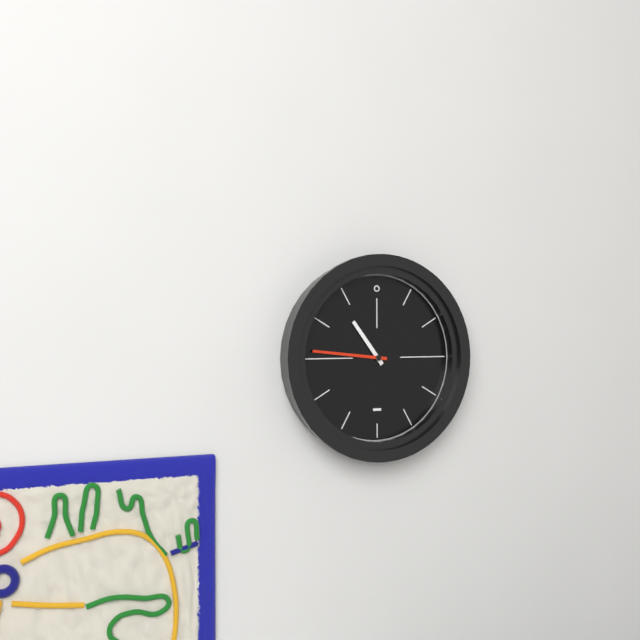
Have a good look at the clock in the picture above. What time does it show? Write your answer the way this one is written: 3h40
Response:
10h46
